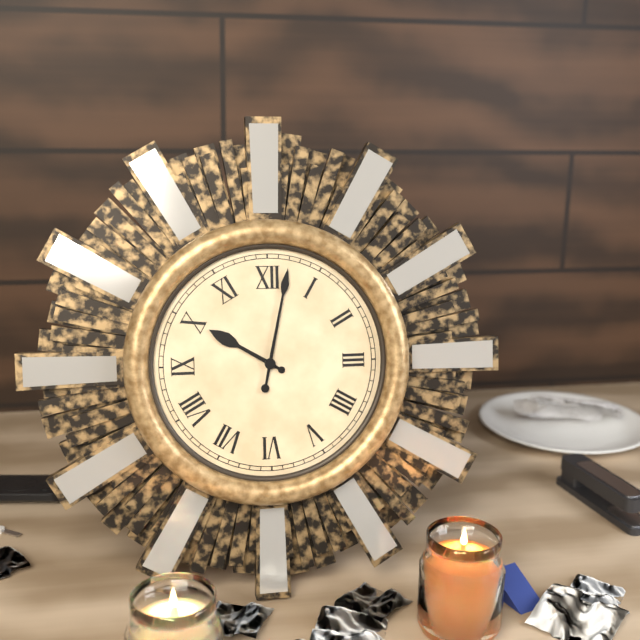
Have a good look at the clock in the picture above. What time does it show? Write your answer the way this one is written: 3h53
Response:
10h02
